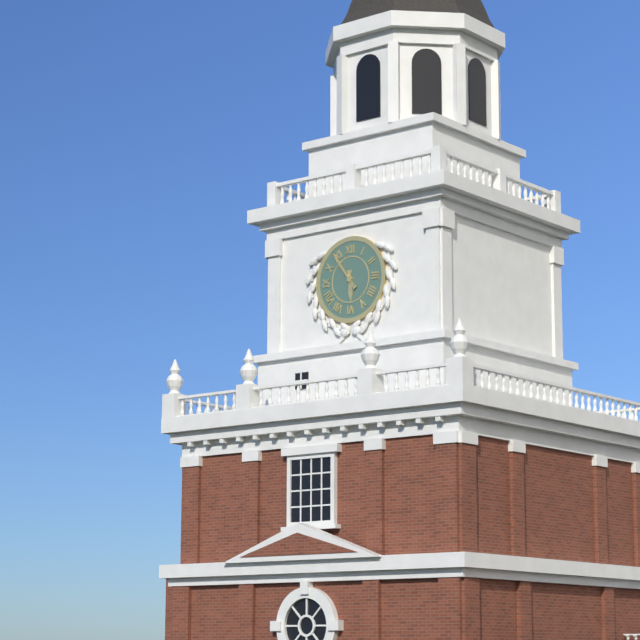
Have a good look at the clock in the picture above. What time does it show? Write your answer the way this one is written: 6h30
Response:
5h54
